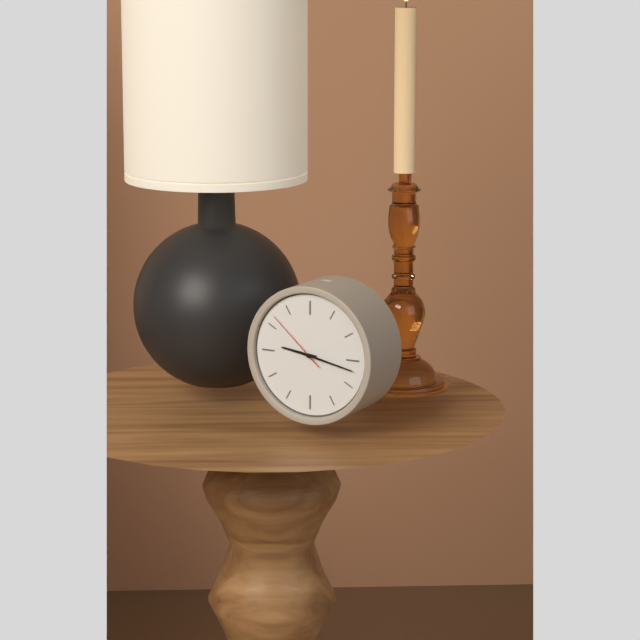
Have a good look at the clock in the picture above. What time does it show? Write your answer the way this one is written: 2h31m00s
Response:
9h17m52s
